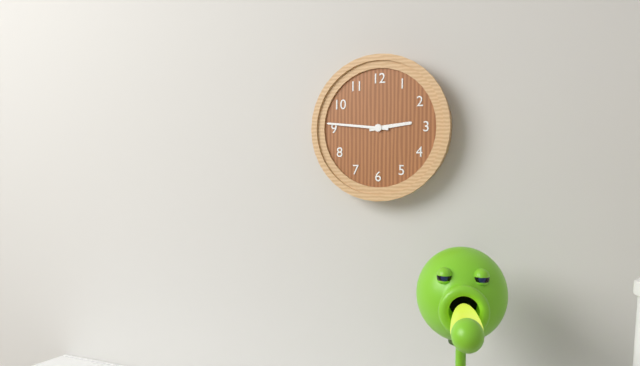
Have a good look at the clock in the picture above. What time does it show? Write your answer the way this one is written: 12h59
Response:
2h46
